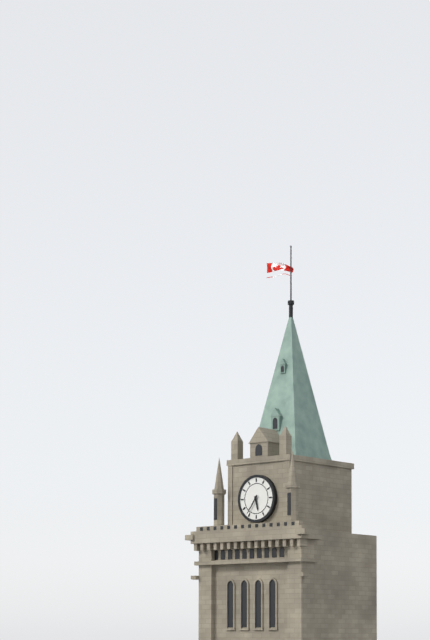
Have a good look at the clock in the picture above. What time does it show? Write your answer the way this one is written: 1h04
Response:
5h36
